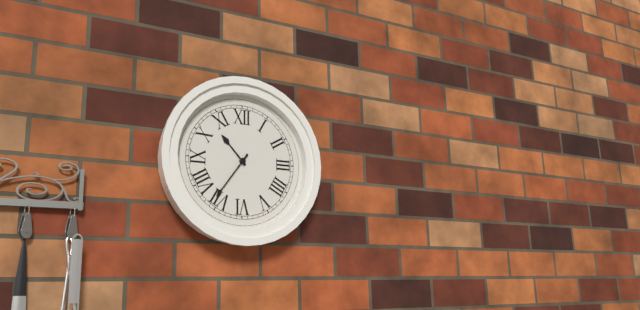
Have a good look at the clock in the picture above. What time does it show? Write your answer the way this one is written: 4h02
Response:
10h36
